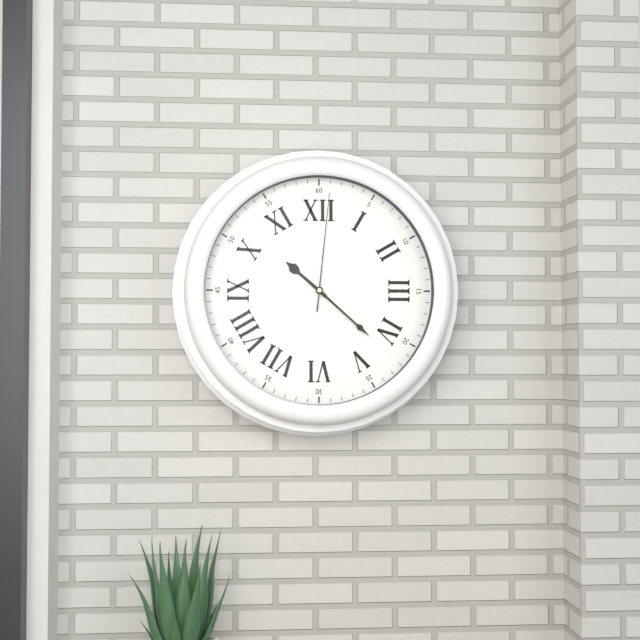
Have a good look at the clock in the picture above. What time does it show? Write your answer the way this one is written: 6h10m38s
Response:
10h22m01s
